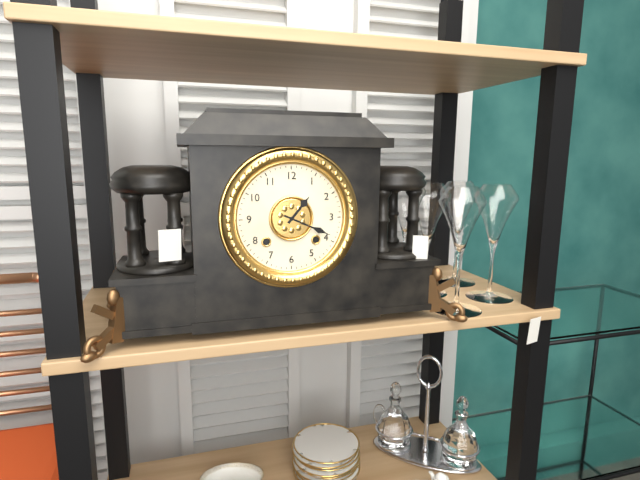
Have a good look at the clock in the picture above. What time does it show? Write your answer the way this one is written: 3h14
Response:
1h19
